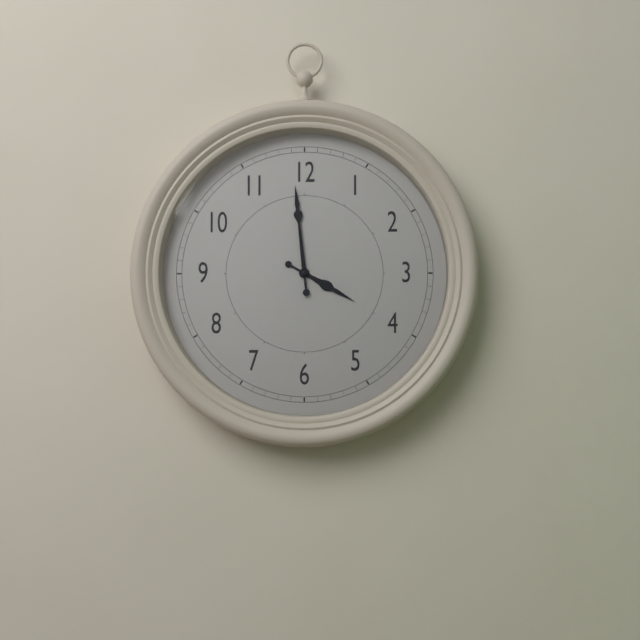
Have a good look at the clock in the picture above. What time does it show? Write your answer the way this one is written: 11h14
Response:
3h59
